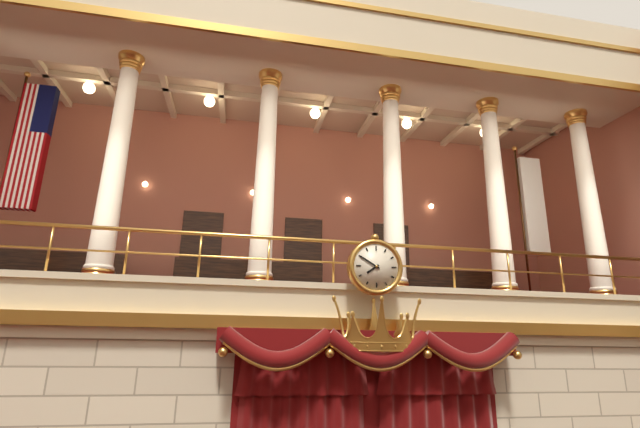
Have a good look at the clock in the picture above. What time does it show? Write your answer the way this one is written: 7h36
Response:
7h50
